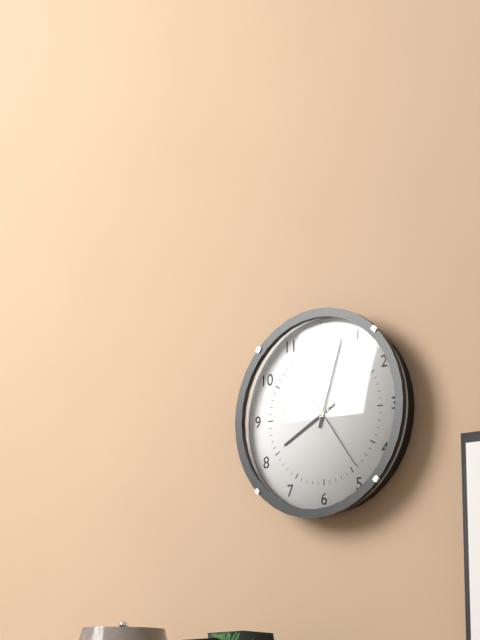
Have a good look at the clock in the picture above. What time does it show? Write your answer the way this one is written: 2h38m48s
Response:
8h03m24s
